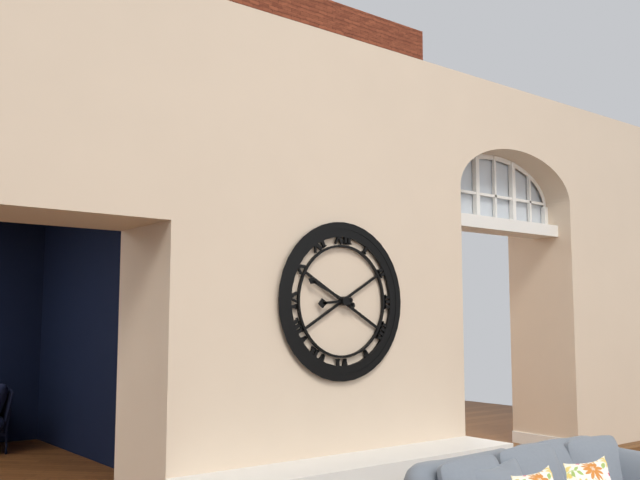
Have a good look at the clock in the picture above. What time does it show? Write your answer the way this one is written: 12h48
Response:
8h49
